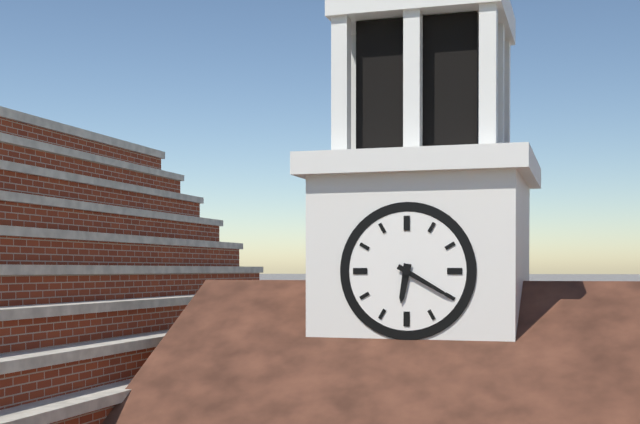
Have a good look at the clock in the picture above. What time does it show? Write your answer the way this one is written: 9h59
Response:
6h20
